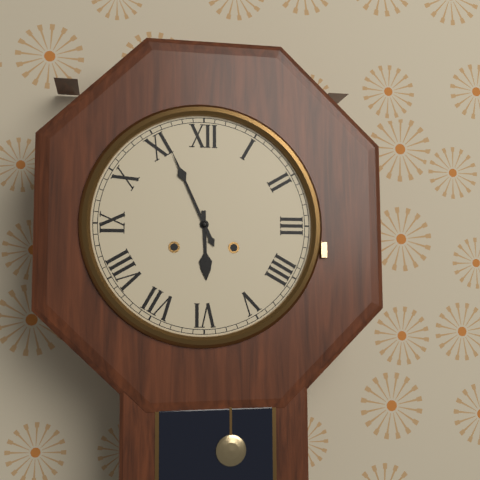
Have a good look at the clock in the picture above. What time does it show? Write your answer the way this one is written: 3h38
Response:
5h56
